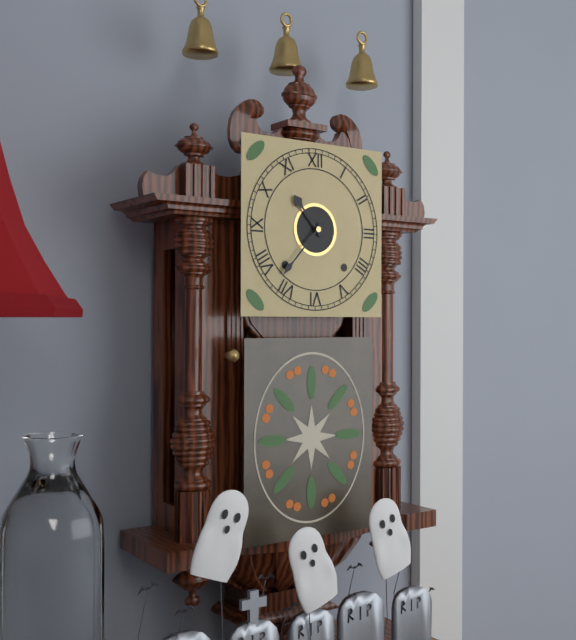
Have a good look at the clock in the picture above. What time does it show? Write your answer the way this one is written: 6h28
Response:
10h37
